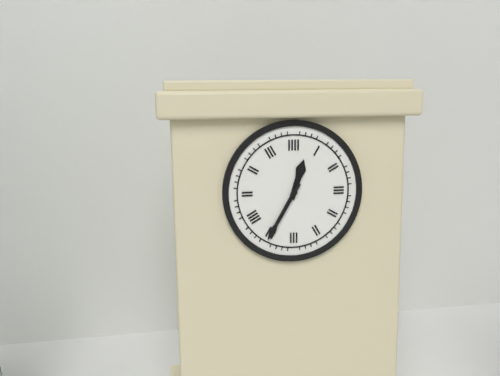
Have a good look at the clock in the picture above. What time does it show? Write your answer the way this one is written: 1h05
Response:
12h35
